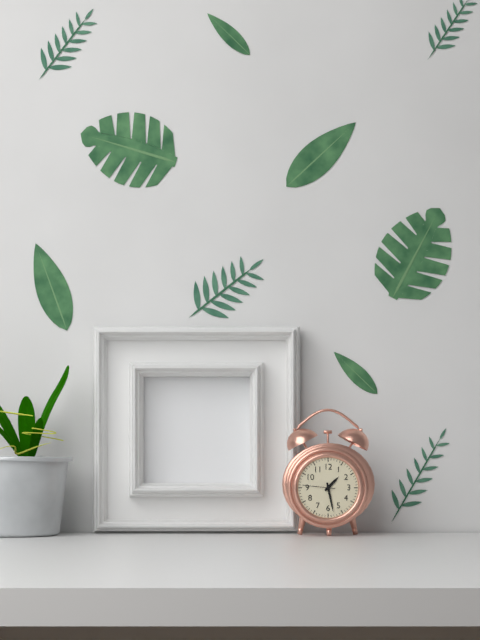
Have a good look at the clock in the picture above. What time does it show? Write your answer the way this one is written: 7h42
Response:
1h28
